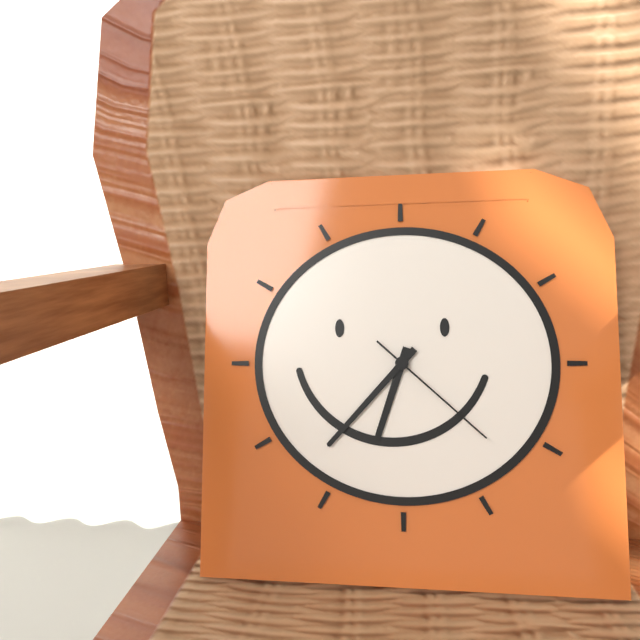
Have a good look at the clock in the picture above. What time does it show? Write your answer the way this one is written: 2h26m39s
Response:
6h37m22s
